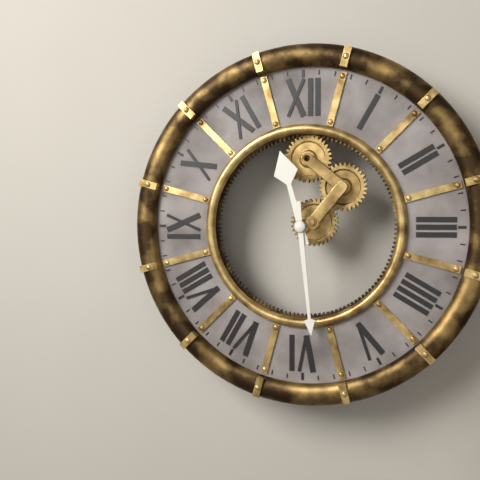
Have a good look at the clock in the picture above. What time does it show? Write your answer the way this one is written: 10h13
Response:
11h29
